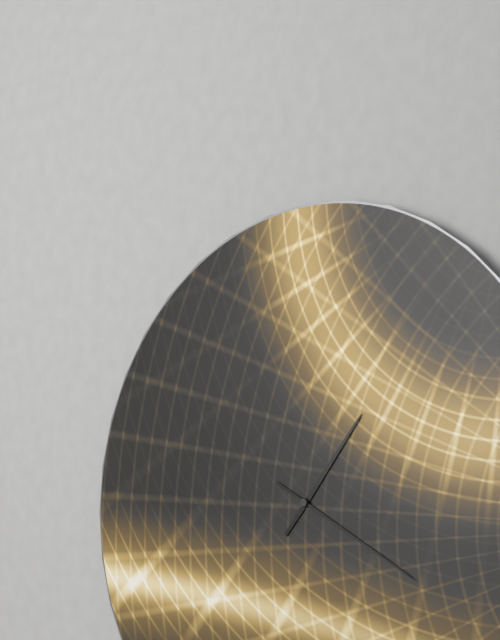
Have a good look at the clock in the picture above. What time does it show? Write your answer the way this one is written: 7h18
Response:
1h20
